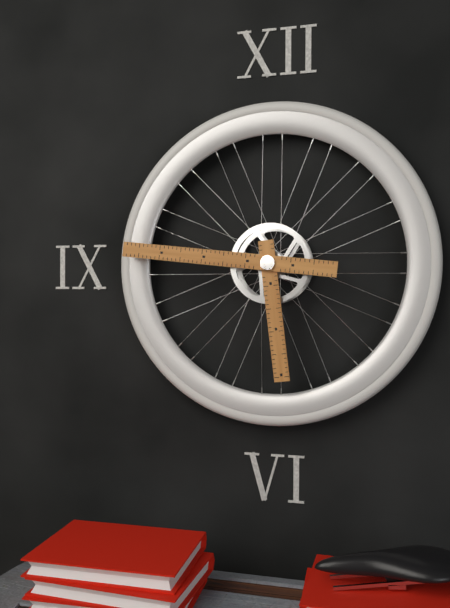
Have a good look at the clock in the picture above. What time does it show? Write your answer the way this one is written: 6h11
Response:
5h46
